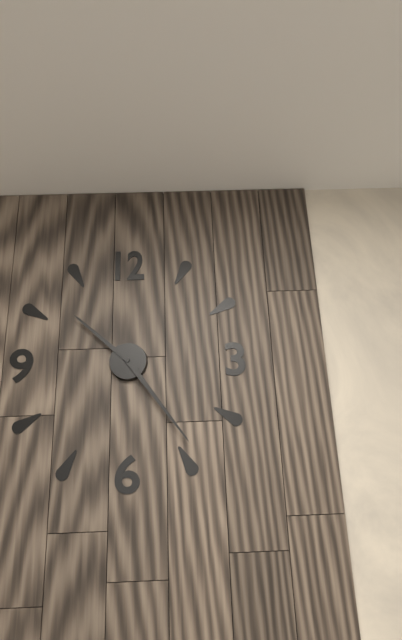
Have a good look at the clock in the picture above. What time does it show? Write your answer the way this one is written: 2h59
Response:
10h24
